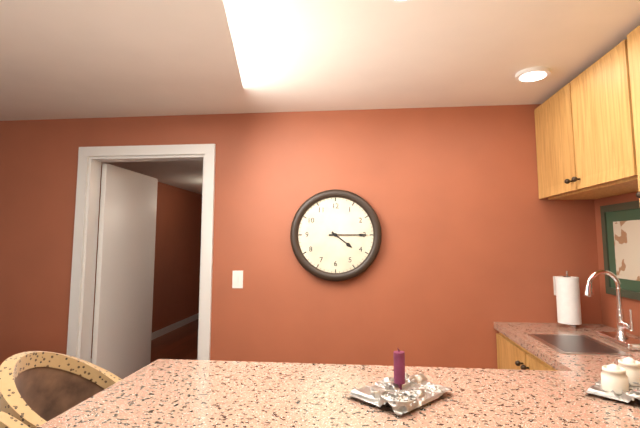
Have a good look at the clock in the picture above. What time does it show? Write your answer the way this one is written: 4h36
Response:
4h15
